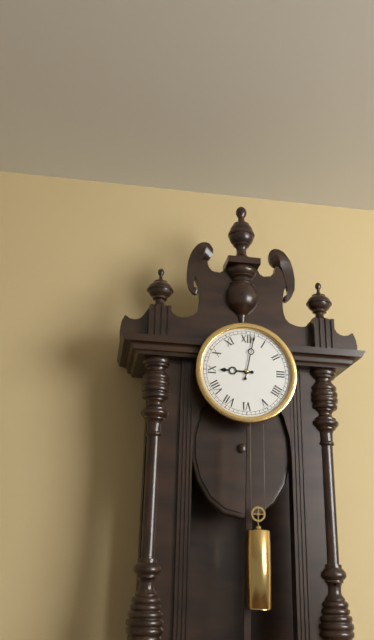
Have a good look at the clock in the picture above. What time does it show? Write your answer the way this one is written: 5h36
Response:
9h02
